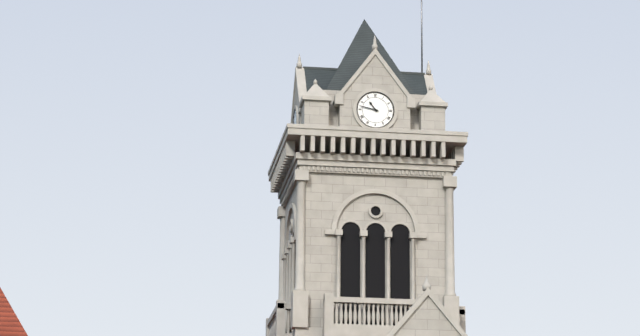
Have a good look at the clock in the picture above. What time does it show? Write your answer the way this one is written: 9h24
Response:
10h47
